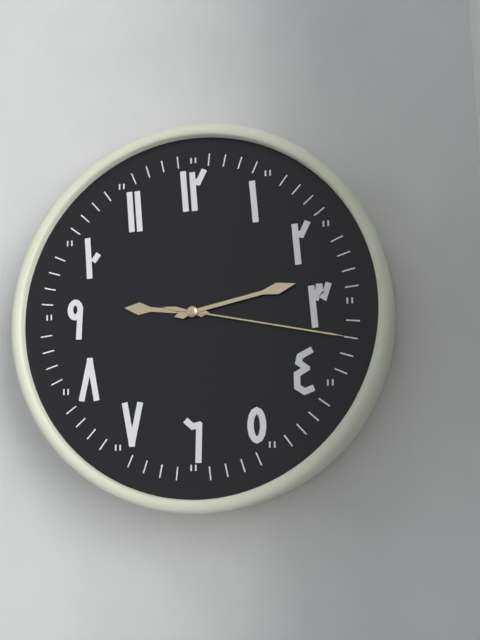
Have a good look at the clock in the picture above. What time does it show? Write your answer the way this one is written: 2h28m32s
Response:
9h13m17s
